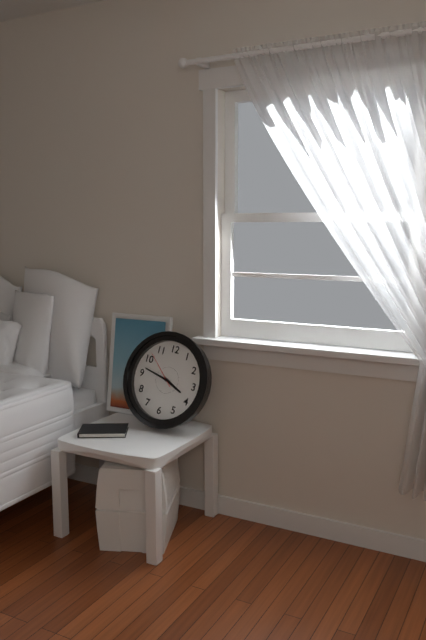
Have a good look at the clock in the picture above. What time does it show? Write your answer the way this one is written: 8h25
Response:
3h47
